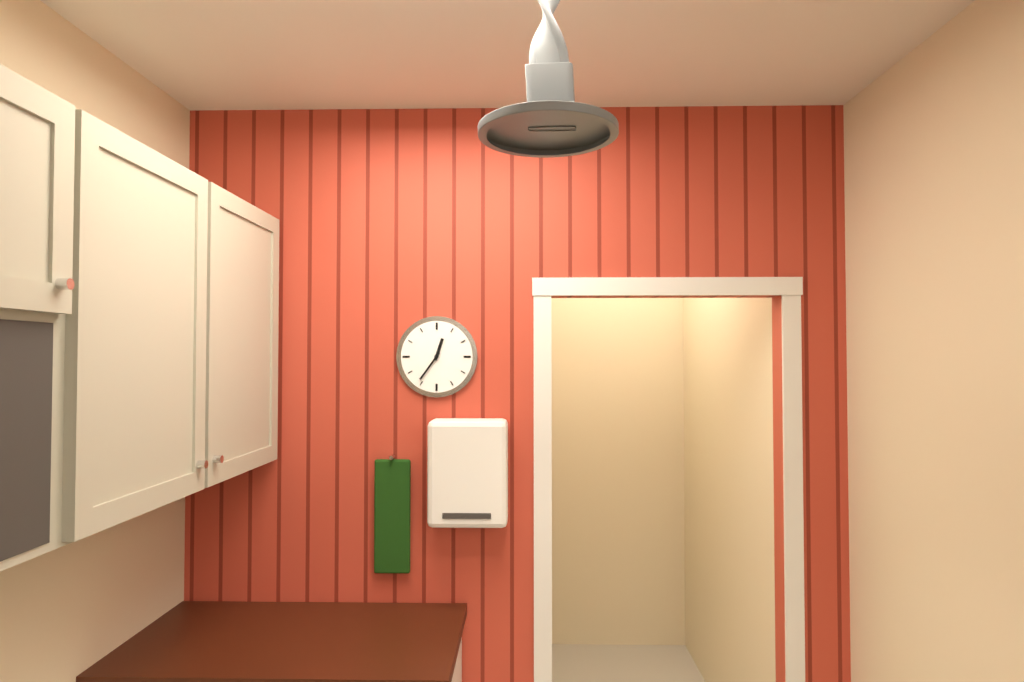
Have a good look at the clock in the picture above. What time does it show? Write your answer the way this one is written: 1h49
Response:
12h36
